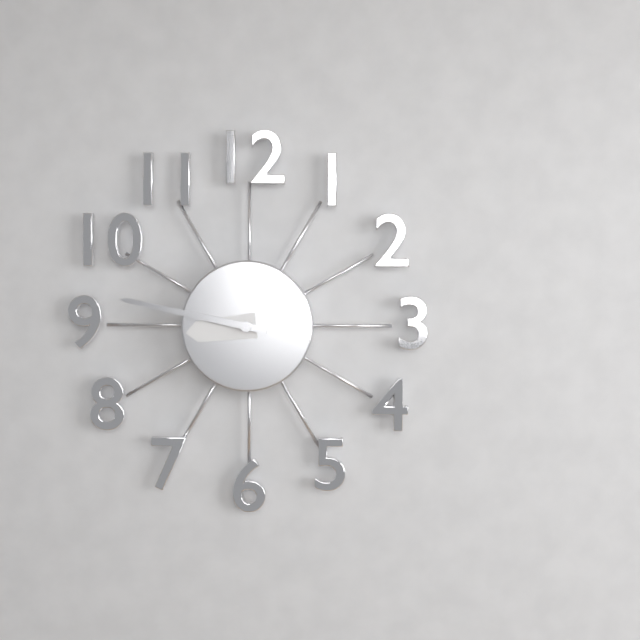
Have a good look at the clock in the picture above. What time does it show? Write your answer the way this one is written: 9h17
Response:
8h47
